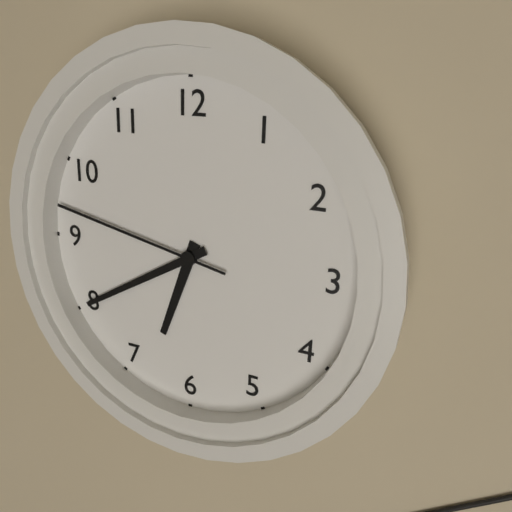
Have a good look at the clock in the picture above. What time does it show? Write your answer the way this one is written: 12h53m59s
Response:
6h40m47s
